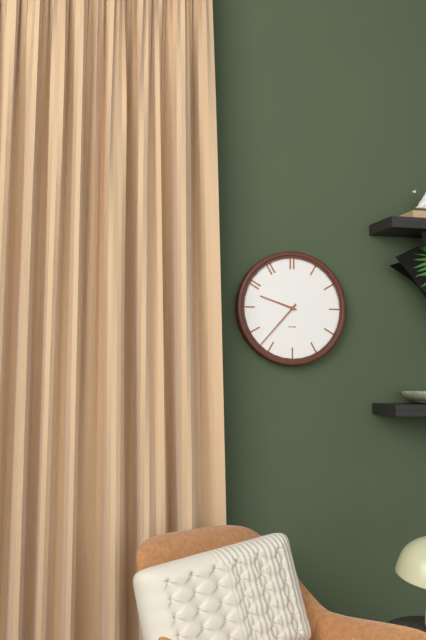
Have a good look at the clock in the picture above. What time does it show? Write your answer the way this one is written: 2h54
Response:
9h37
